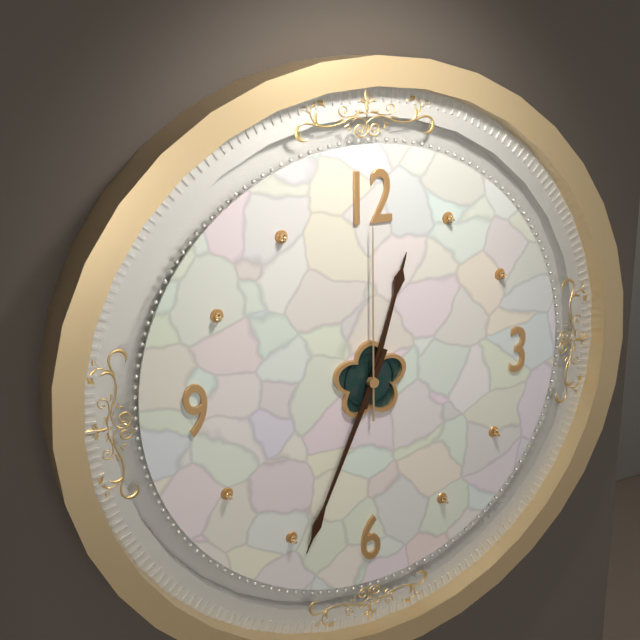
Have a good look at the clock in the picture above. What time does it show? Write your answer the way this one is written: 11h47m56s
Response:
12h34m00s
